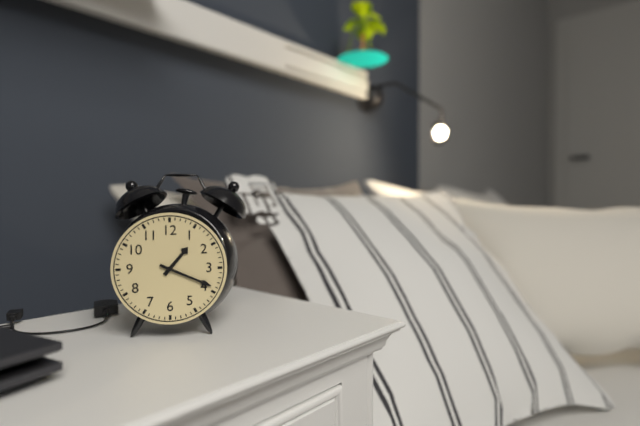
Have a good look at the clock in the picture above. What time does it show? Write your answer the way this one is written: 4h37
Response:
1h19
